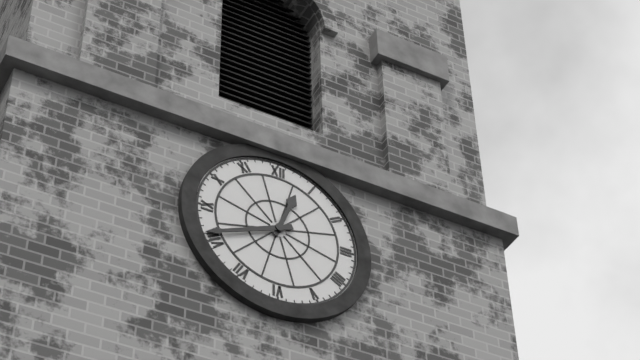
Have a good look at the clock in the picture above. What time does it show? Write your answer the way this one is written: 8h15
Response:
12h41
